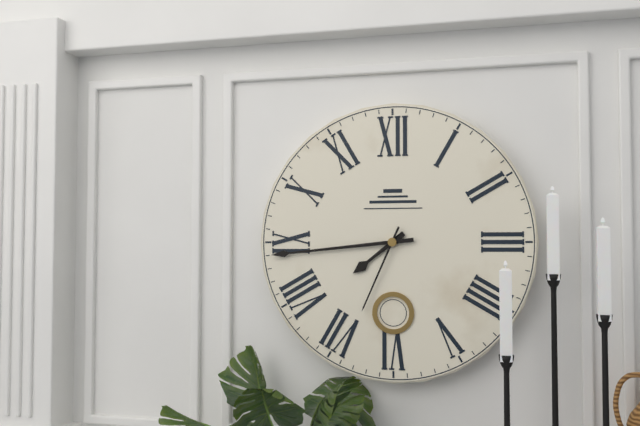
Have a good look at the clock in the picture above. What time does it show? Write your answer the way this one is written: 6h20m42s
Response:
7h44m34s
